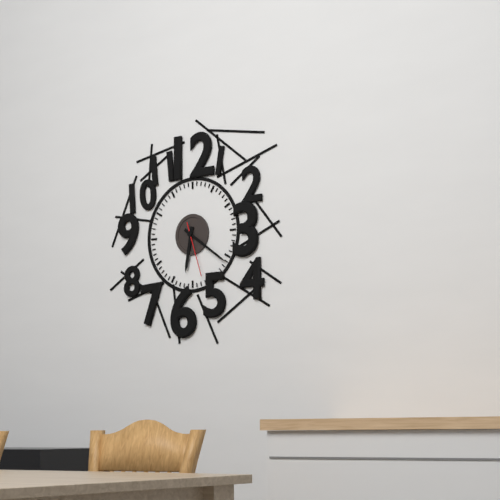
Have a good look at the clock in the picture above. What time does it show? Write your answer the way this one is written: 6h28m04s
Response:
6h21m27s
